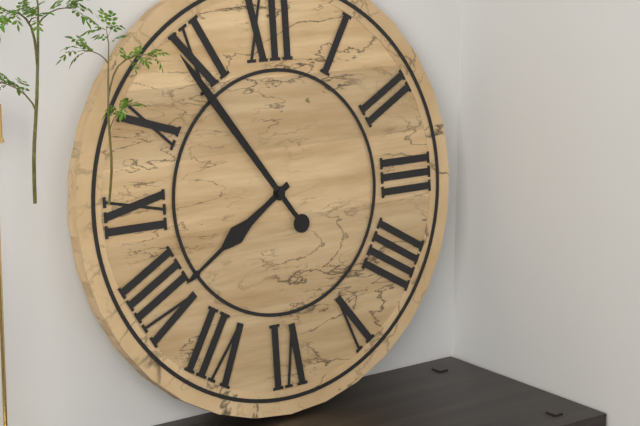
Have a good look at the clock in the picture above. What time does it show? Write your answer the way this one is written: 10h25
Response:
7h54
